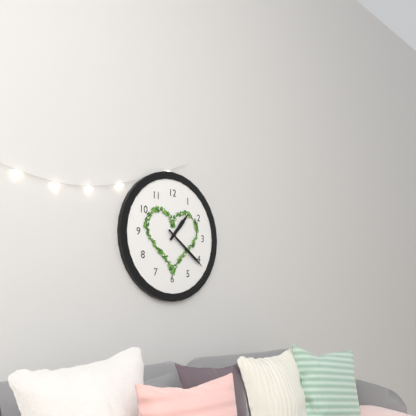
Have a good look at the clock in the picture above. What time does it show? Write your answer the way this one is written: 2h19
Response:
1h21
